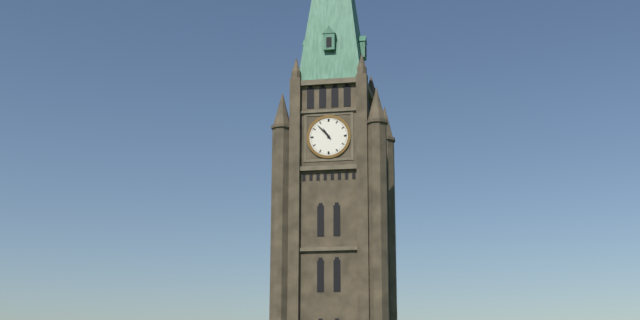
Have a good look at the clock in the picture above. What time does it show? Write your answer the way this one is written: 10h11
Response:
10h53
